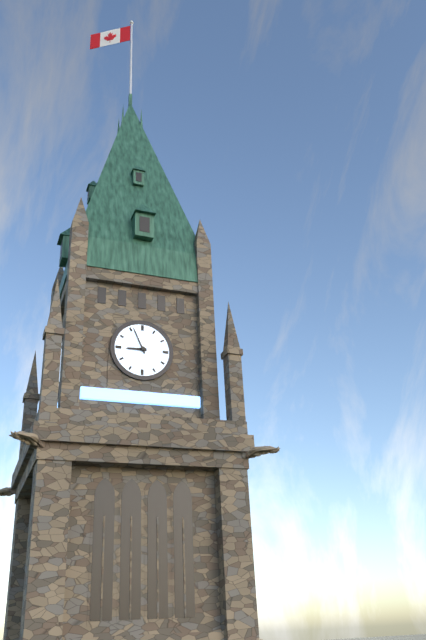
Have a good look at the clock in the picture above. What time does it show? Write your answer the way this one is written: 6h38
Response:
8h56
